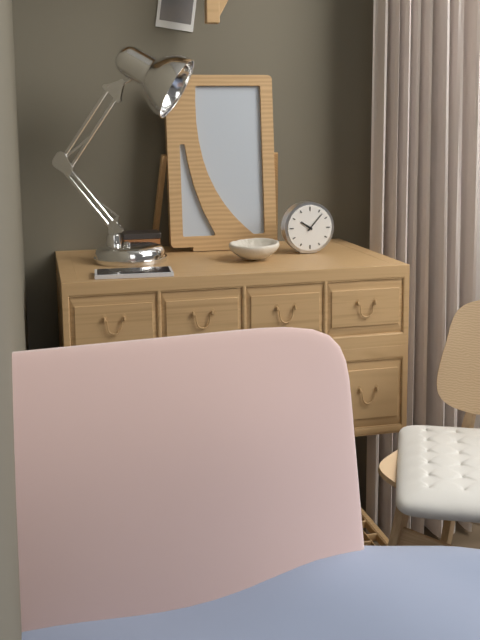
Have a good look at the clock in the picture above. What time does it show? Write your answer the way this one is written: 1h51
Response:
10h07
